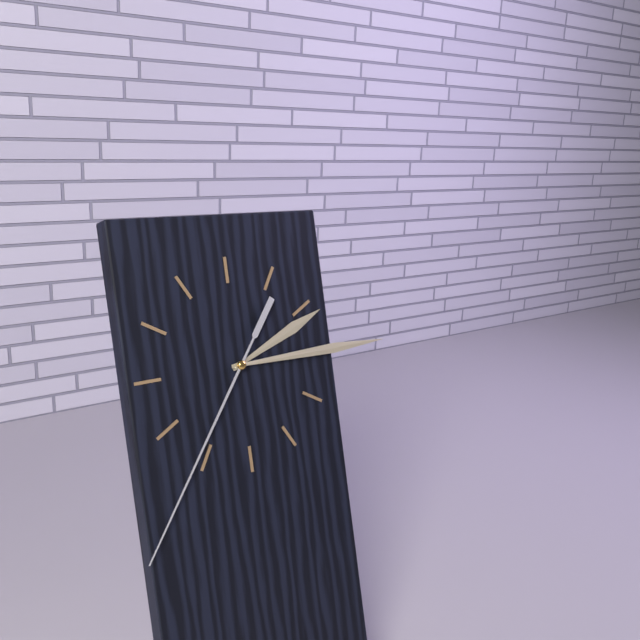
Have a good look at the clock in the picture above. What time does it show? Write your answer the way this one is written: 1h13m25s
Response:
2h15m36s
